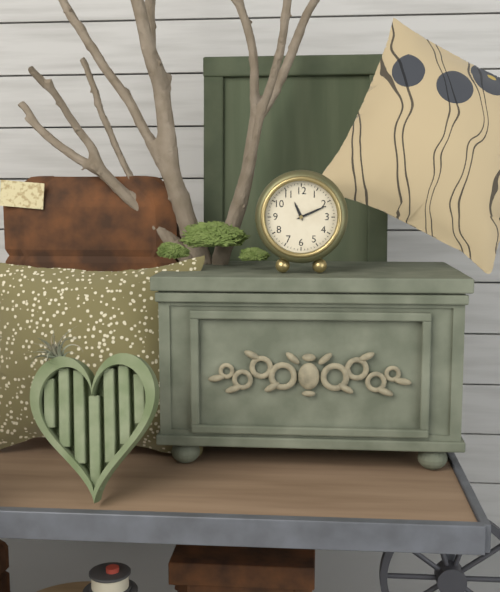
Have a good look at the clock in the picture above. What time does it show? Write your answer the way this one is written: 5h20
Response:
11h11
